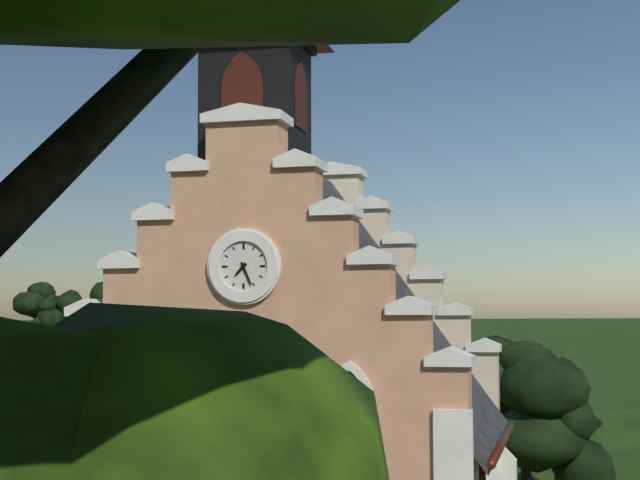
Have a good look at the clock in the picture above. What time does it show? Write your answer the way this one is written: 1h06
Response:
7h26
